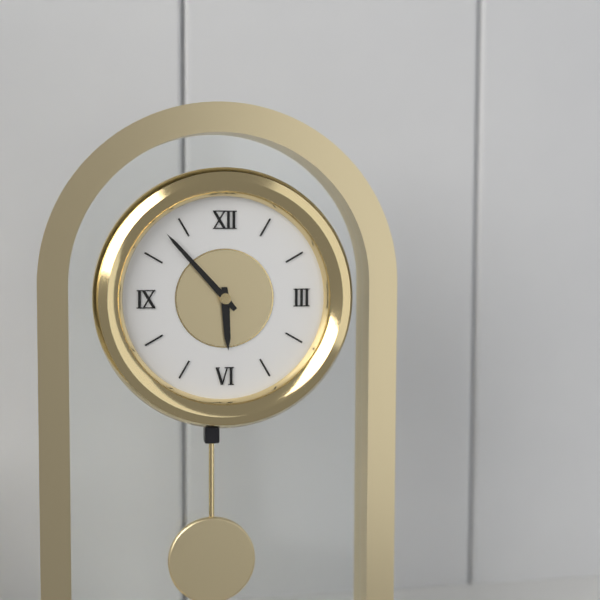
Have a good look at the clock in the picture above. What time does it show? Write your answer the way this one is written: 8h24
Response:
5h53
